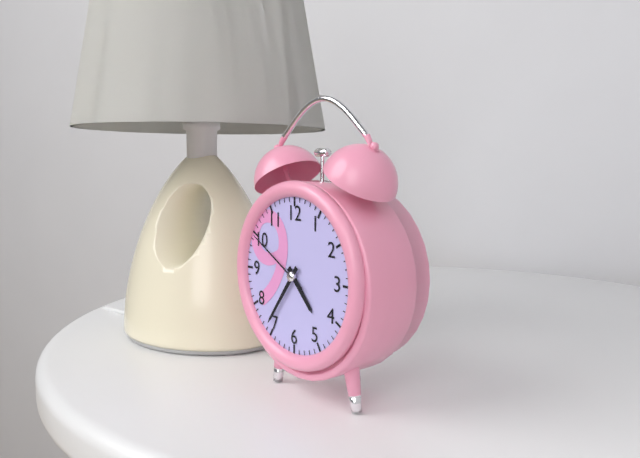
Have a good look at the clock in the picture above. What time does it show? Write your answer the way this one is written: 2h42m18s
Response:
4h36m50s
